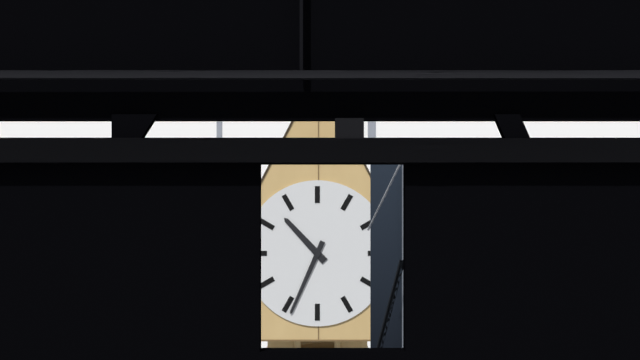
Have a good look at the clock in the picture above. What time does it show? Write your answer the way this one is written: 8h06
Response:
10h34
